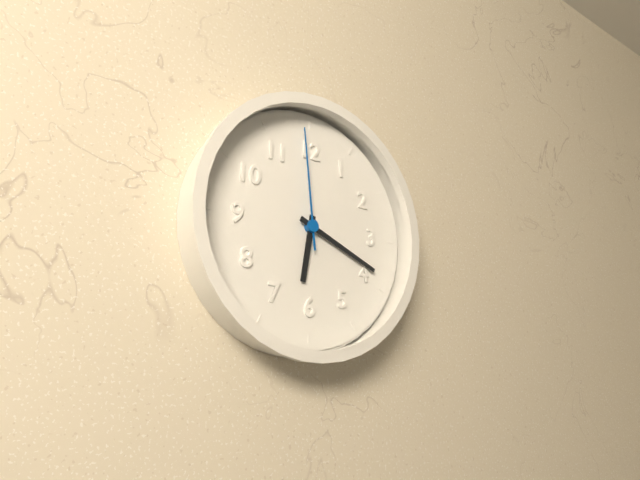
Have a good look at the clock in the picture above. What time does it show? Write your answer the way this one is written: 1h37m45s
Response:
6h19m59s
